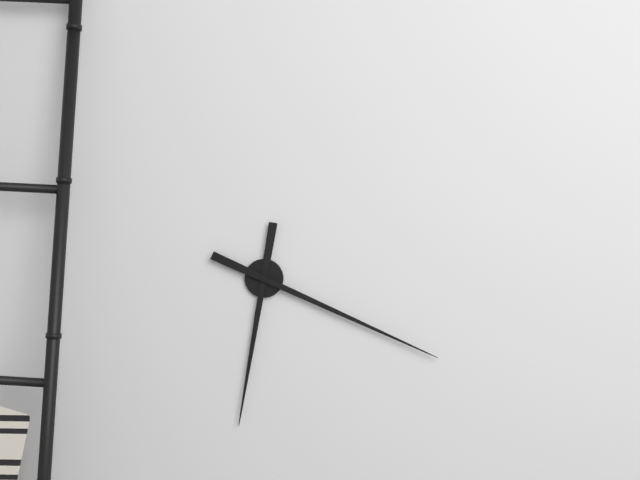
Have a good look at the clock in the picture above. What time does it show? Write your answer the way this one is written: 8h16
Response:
6h19
